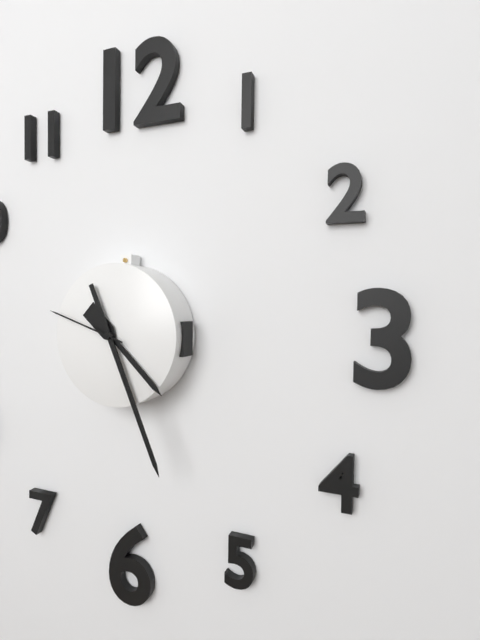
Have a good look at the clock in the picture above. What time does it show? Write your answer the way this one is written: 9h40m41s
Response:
4h26m48s
